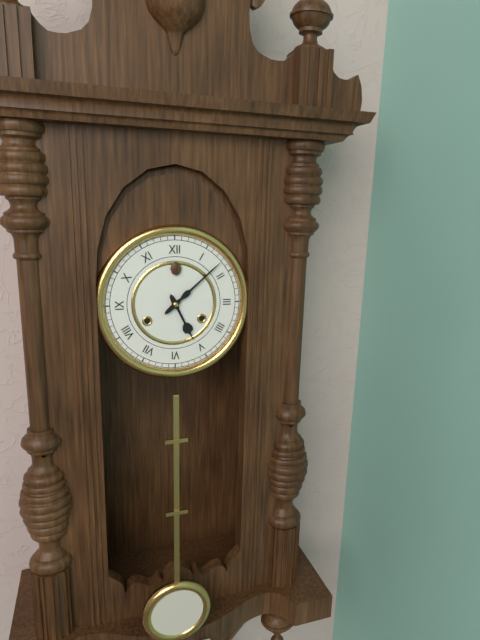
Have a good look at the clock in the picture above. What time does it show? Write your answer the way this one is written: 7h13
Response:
5h08
